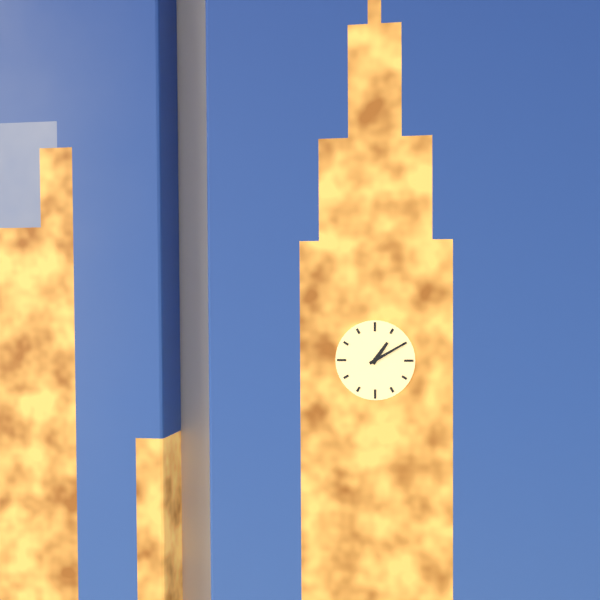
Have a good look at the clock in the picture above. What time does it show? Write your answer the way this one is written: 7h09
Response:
1h10
